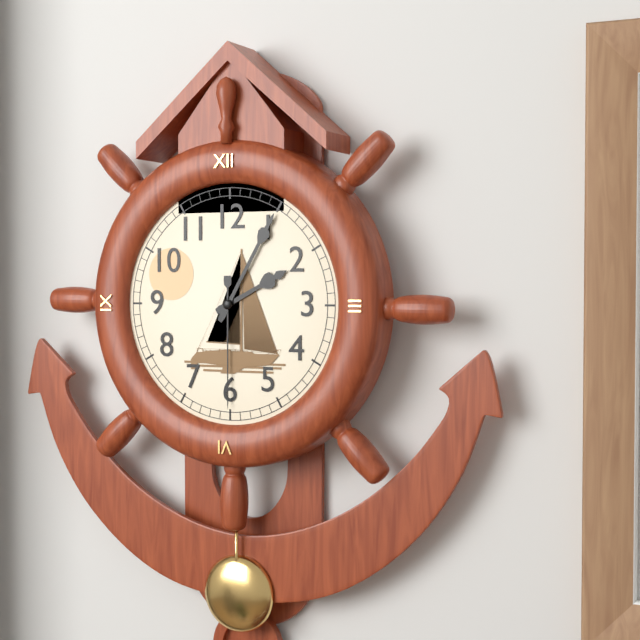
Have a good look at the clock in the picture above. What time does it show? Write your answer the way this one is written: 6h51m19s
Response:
2h05m30s
